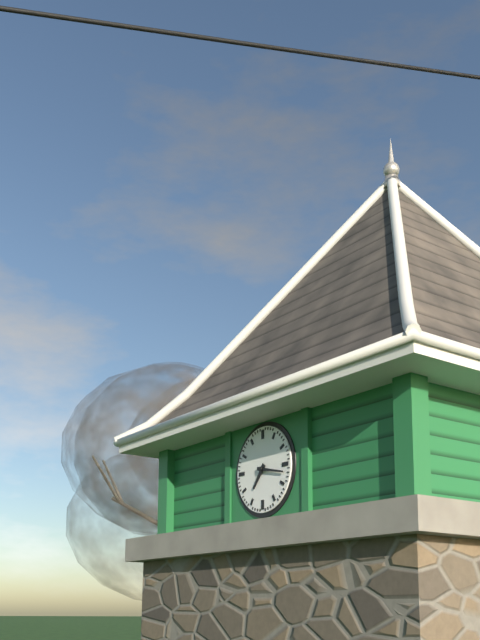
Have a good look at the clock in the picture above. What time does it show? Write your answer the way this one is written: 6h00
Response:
7h17
